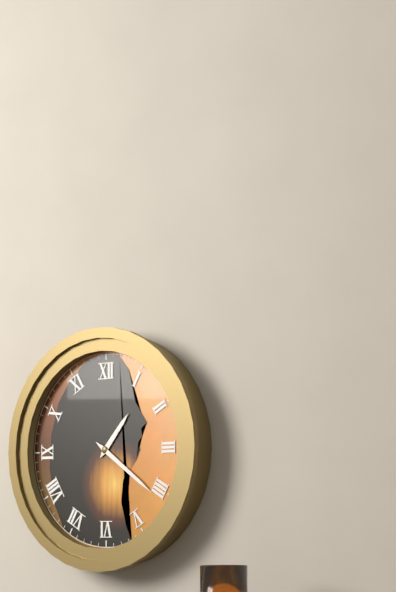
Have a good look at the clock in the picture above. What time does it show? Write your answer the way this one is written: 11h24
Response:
1h21
